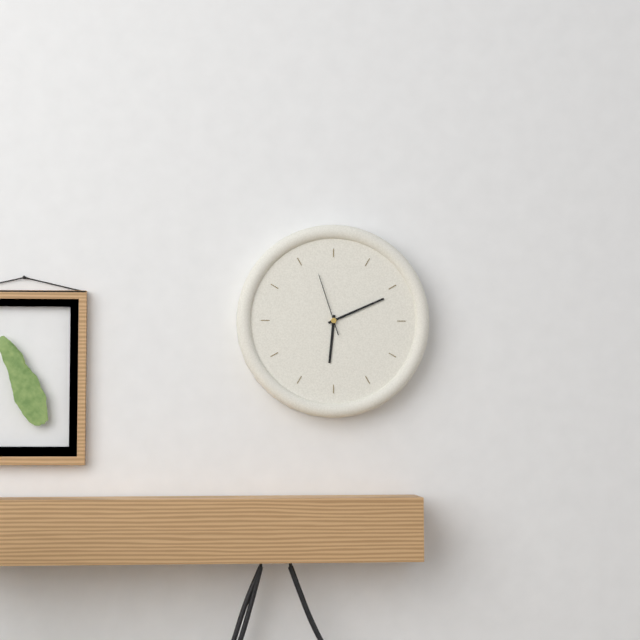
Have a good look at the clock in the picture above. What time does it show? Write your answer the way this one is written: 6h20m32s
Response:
6h11m57s
